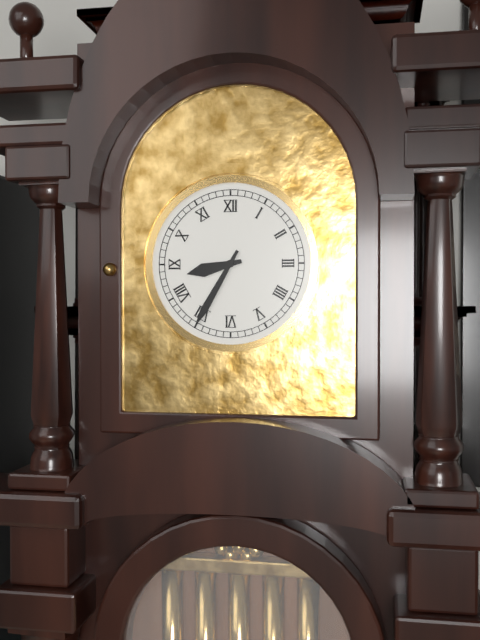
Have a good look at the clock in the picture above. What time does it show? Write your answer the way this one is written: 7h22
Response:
8h35
